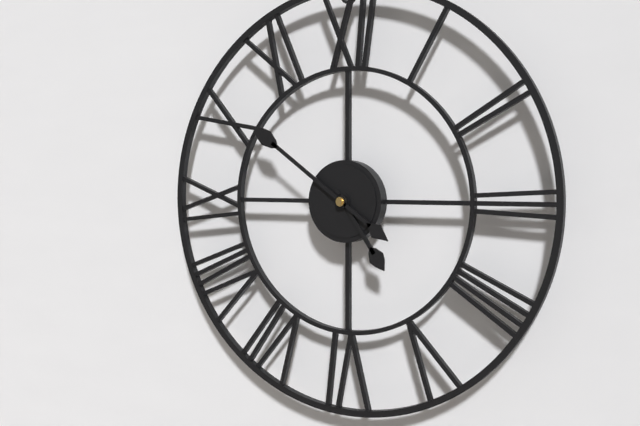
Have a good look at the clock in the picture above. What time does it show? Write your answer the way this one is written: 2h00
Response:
4h51
